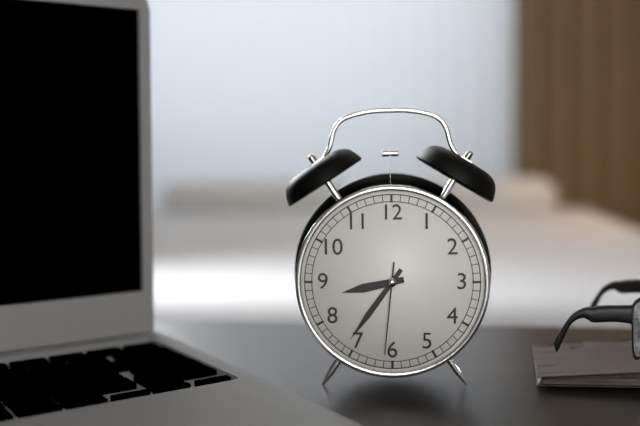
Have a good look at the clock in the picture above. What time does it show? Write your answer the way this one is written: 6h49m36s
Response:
8h36m31s
